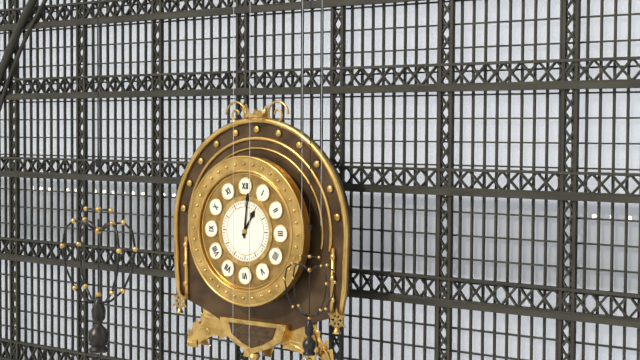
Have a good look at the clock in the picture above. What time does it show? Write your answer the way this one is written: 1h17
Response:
1h01
